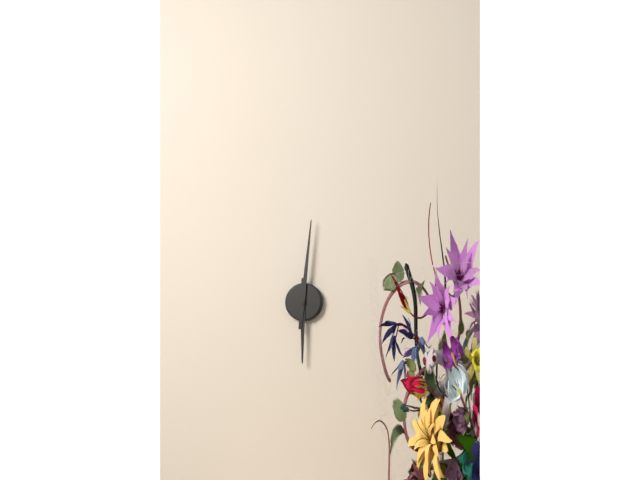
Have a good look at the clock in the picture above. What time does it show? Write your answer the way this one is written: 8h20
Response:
6h01
